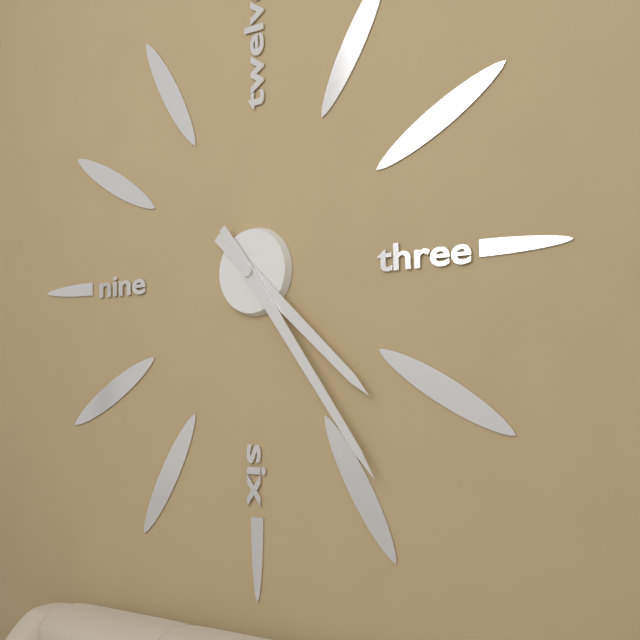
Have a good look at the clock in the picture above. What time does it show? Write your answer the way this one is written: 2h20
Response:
4h24
